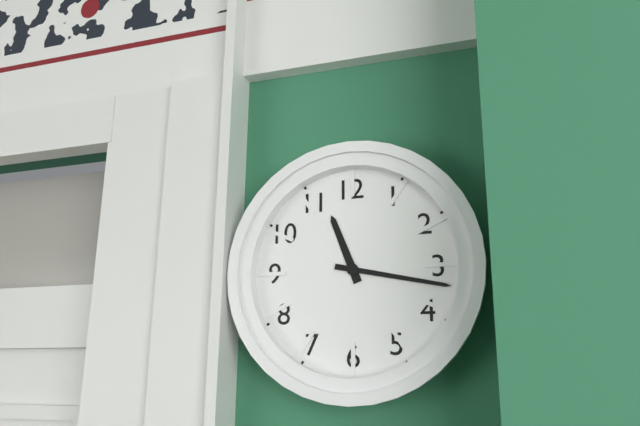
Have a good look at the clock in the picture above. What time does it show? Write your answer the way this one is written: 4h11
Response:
11h17
